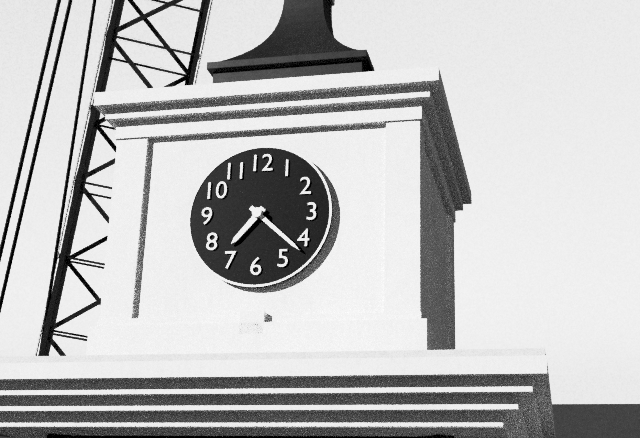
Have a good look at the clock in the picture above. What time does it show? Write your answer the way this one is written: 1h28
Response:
7h22
